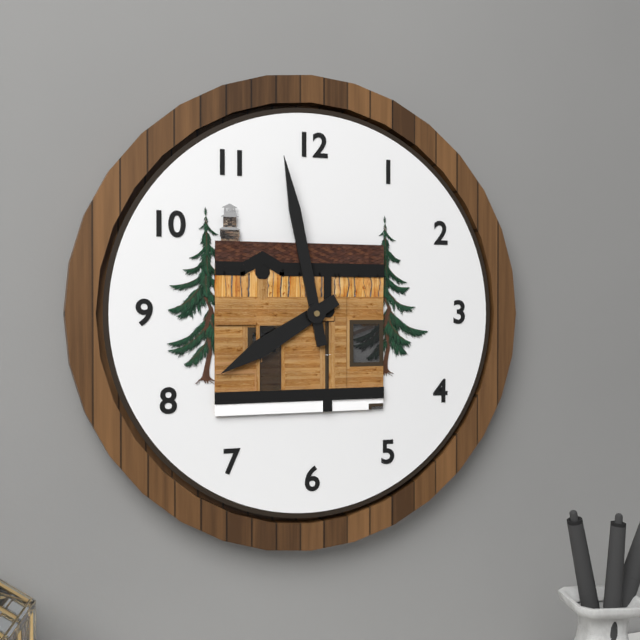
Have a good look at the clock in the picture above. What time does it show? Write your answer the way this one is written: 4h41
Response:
7h58
